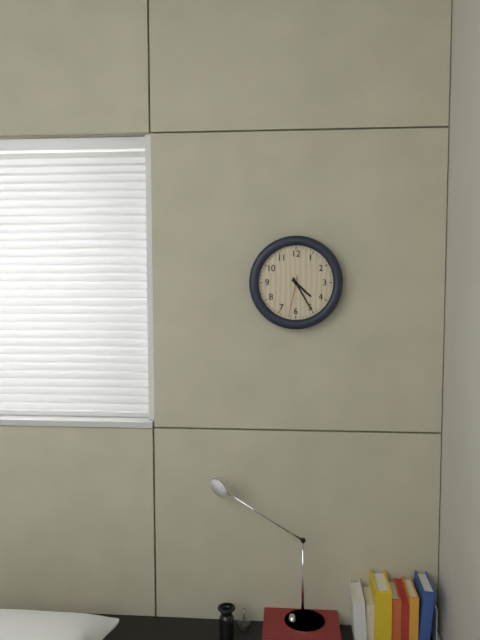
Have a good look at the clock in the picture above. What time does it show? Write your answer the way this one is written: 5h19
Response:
4h25
